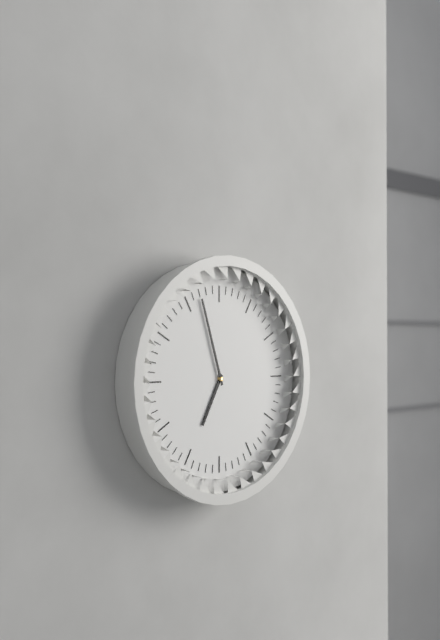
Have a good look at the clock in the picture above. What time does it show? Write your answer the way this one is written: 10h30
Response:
6h57
